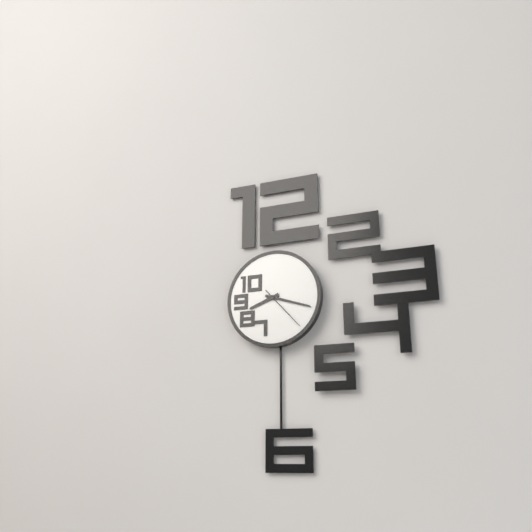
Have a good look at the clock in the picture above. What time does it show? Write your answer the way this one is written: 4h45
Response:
8h18
